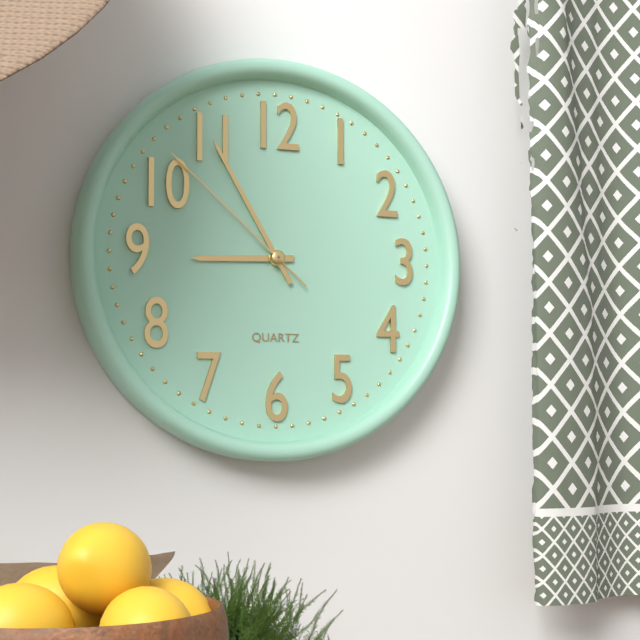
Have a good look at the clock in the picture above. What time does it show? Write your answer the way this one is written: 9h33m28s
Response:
8h55m52s
